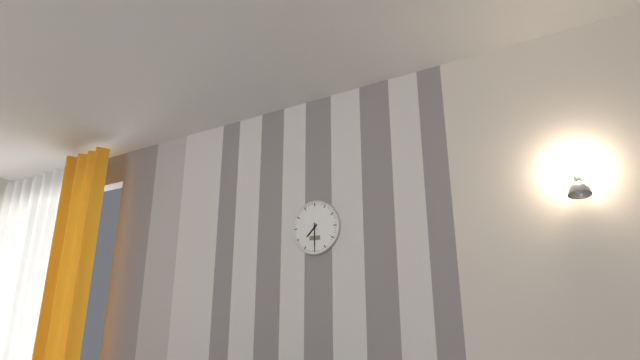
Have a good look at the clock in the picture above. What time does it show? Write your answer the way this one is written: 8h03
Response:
7h30
